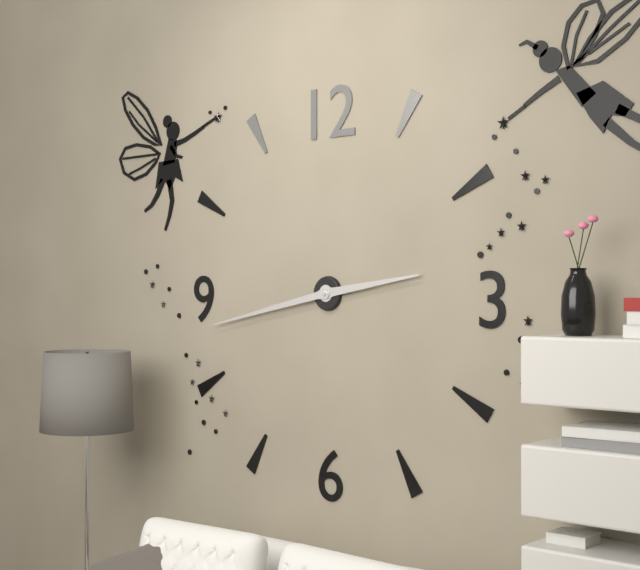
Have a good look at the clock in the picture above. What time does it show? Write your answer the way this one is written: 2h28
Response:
2h43
